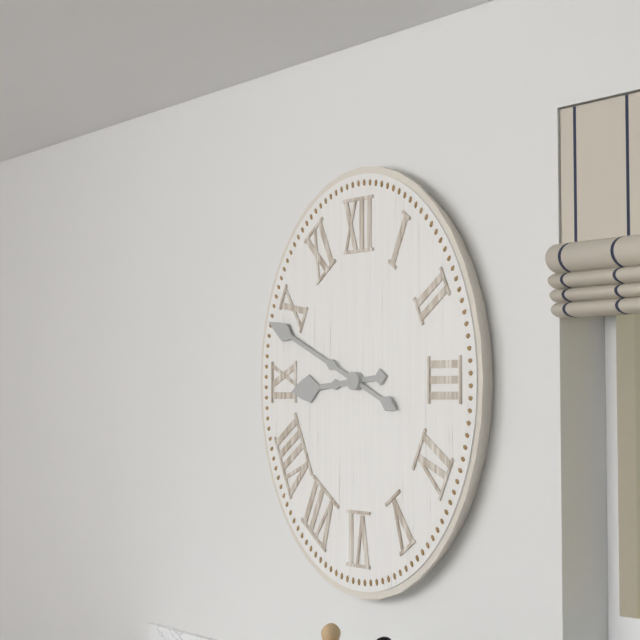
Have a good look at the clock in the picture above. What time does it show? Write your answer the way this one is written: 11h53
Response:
8h49
